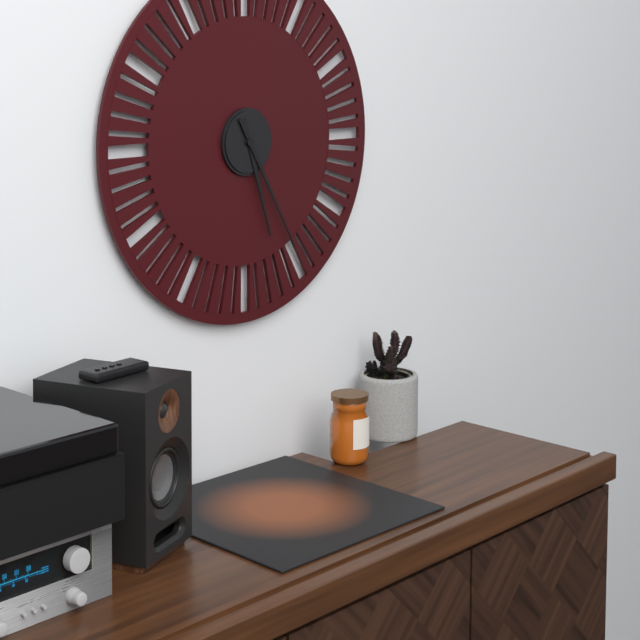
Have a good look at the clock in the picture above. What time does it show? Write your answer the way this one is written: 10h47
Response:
5h25
